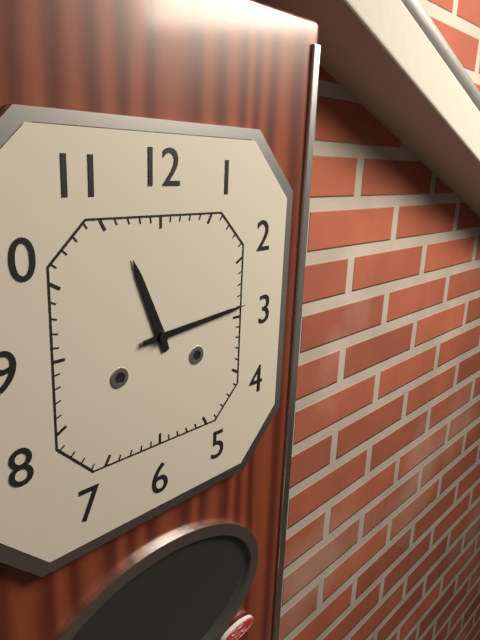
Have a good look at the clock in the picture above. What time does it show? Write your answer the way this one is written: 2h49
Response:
11h14
